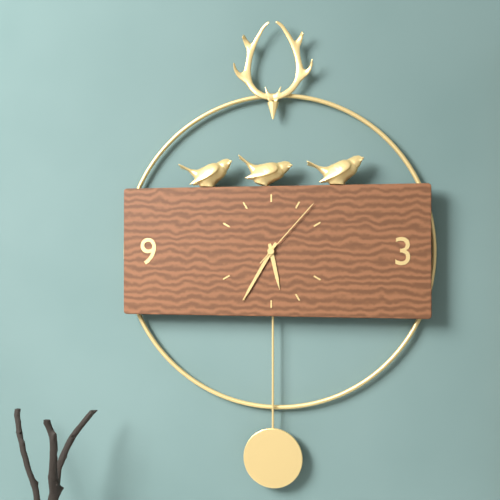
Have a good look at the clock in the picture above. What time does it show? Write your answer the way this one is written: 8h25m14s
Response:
5h35m07s
